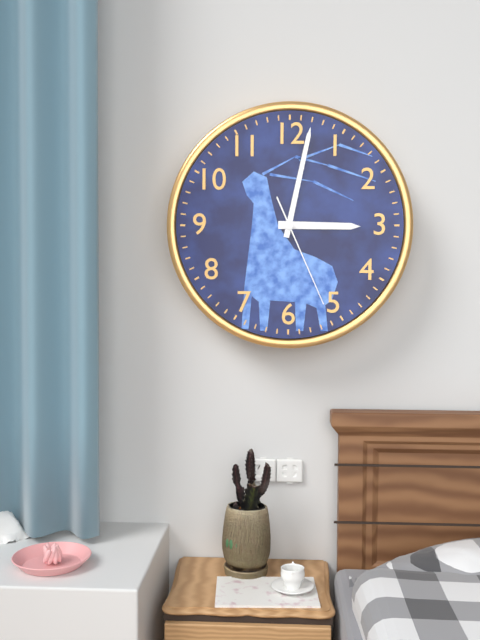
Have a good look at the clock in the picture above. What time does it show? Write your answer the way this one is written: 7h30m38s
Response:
3h02m26s
